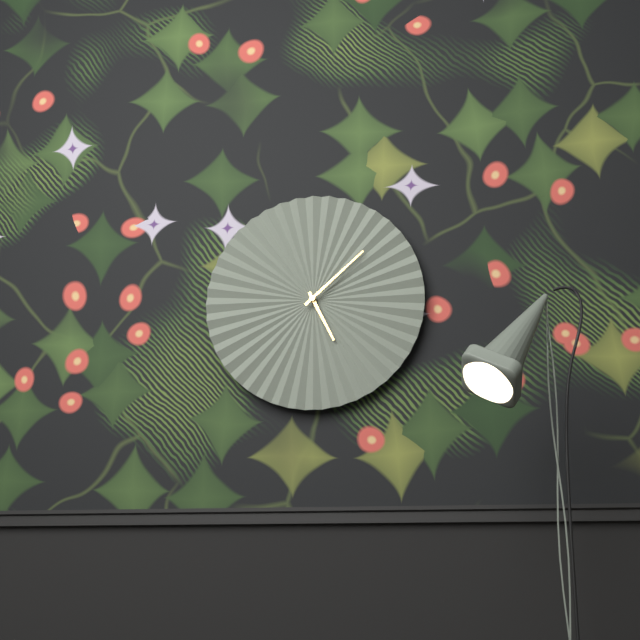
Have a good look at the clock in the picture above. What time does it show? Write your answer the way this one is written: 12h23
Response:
5h08
